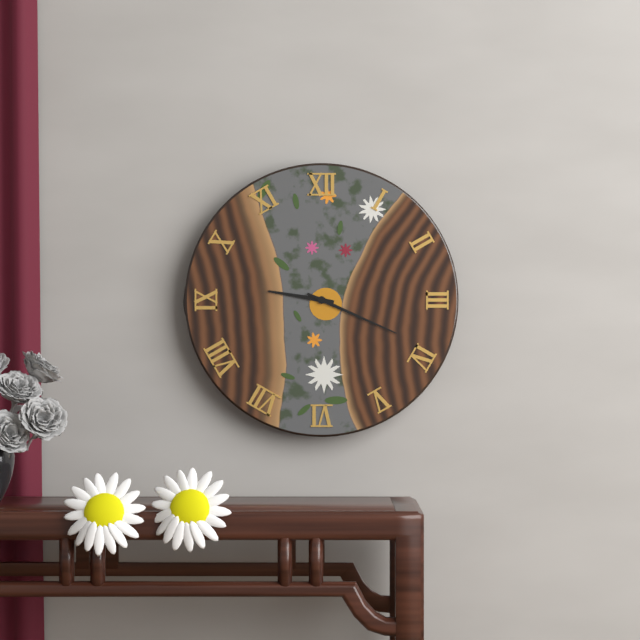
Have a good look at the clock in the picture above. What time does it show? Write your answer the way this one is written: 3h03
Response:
9h19
